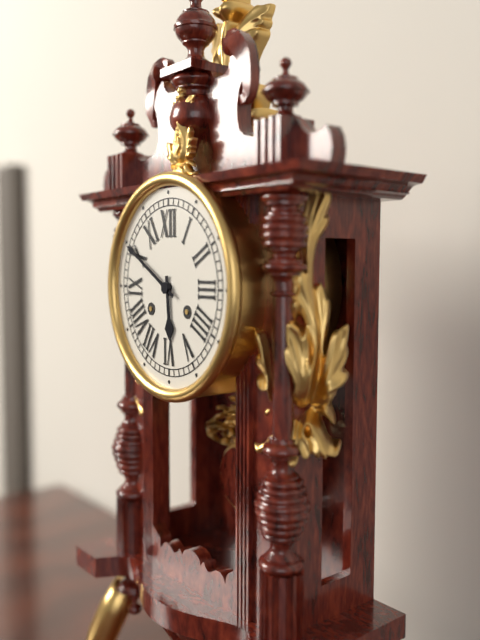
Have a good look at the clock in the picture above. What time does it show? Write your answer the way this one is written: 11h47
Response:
5h50
